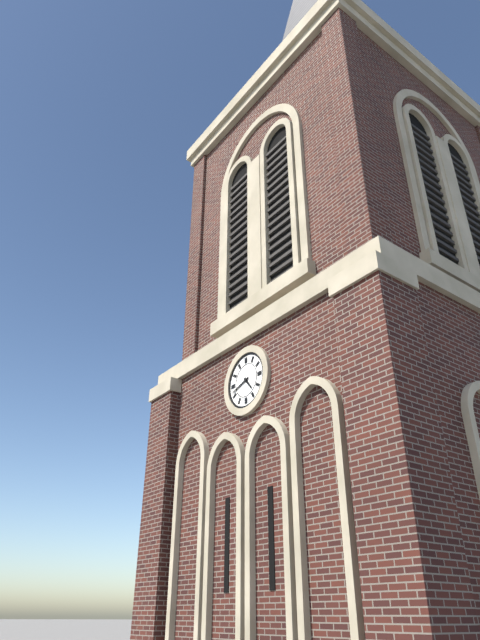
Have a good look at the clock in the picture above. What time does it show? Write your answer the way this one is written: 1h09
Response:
4h42
